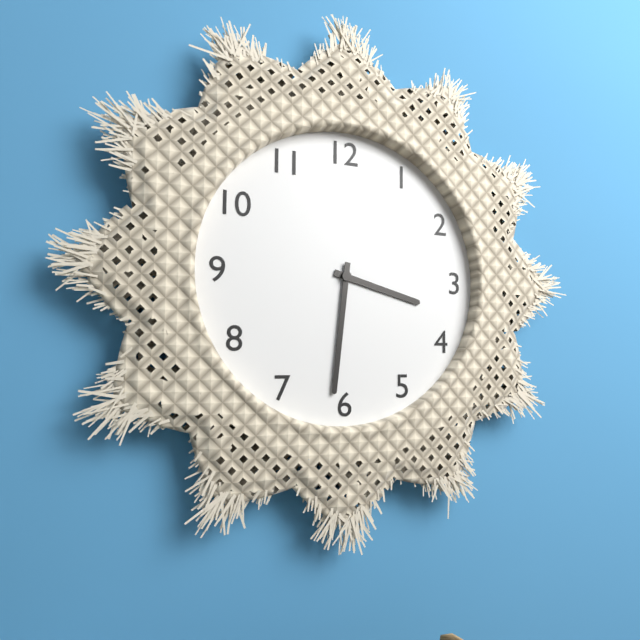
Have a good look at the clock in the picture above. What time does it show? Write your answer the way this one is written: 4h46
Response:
3h31
